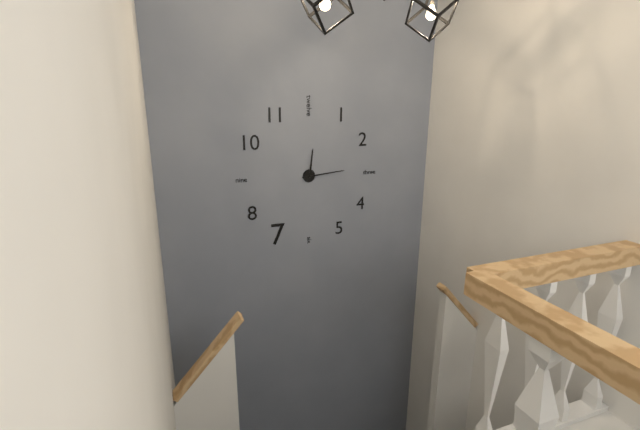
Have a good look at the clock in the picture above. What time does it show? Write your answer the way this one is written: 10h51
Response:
12h14
